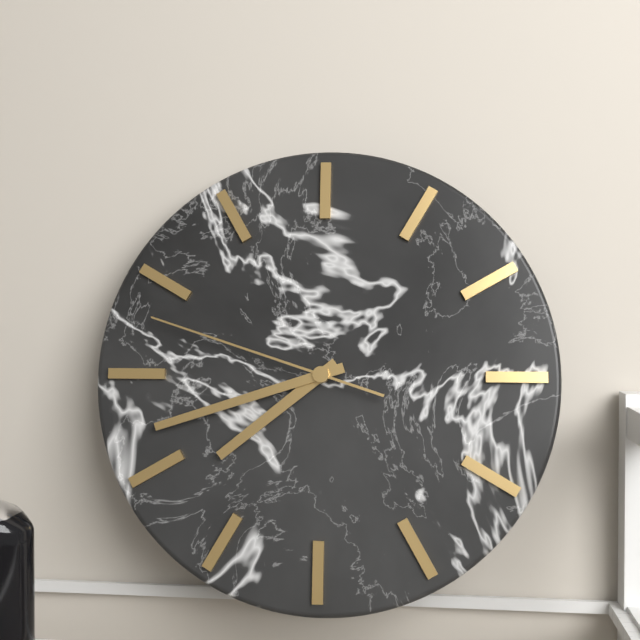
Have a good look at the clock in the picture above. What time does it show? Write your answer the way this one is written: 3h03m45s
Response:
7h42m48s
